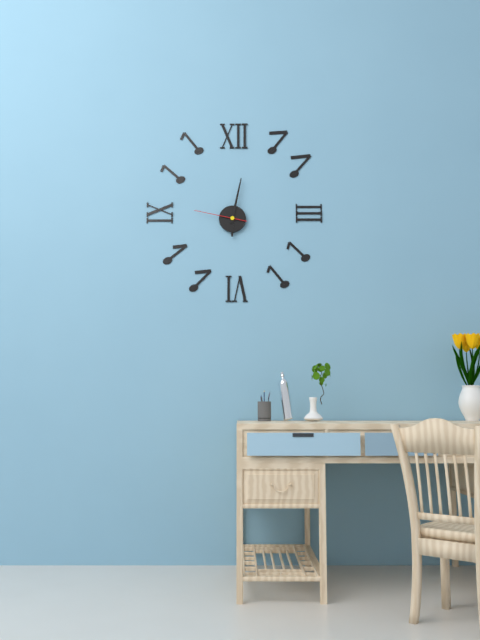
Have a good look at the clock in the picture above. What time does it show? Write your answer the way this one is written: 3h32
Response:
6h02
